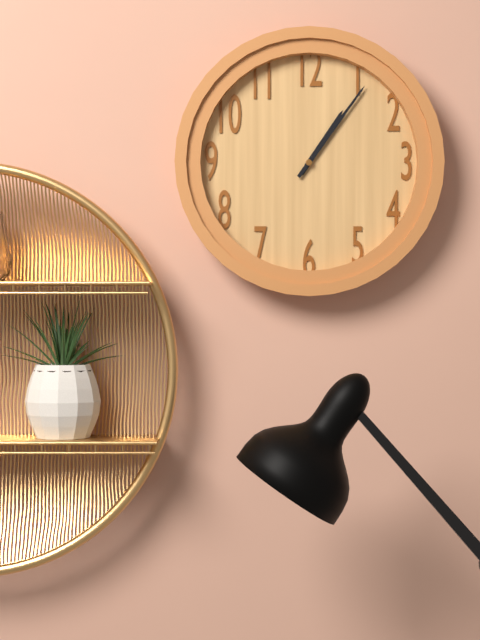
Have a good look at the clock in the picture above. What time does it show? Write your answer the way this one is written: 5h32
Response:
1h06
